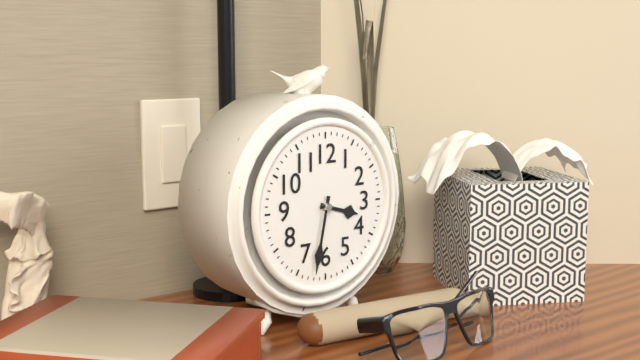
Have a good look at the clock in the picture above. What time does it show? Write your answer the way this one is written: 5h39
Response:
3h32
